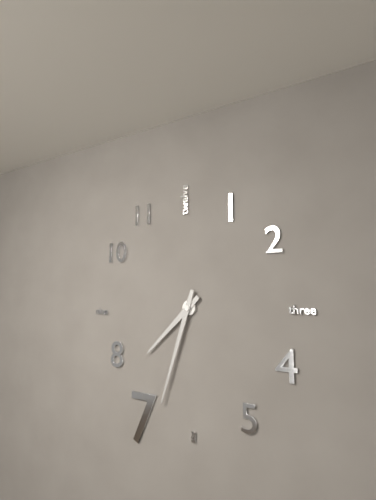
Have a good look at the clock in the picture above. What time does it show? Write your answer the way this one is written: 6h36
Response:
7h33
